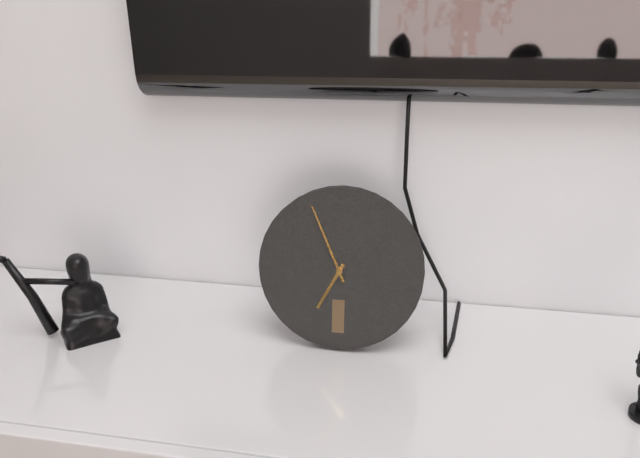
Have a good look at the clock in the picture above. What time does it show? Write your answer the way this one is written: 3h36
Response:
6h56
